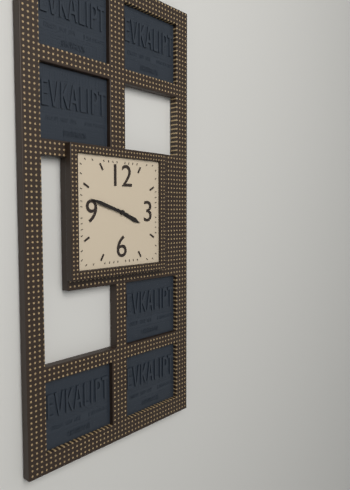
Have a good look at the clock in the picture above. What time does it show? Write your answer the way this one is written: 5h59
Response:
3h48
